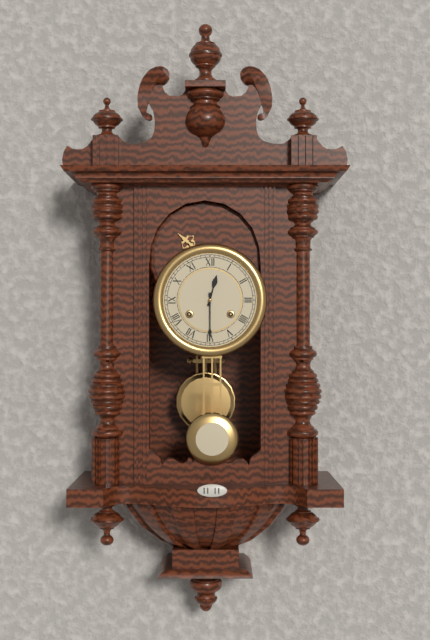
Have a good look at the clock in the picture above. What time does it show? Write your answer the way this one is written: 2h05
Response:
12h30
